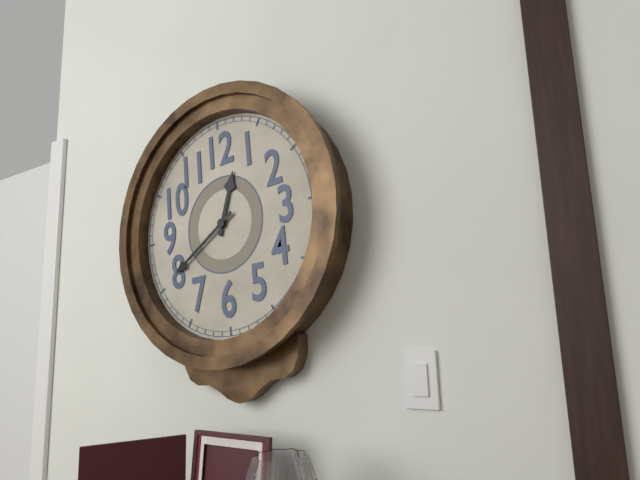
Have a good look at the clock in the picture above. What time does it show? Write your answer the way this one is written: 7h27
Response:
12h40
